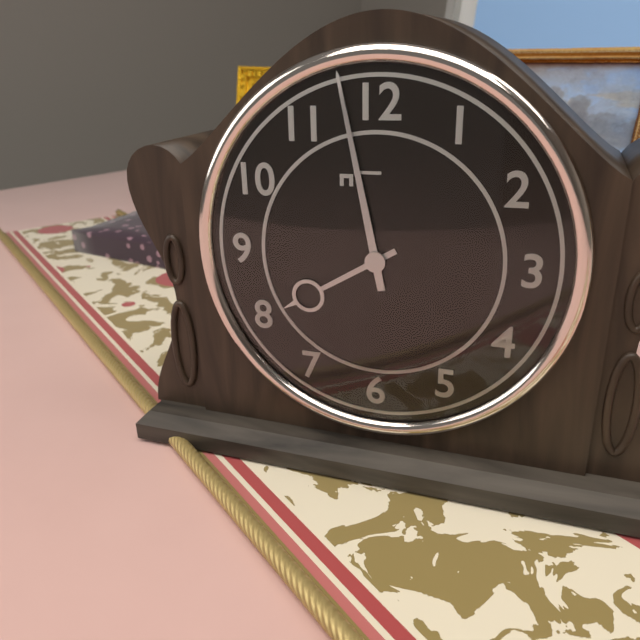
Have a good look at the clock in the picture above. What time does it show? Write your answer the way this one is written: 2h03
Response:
7h58
